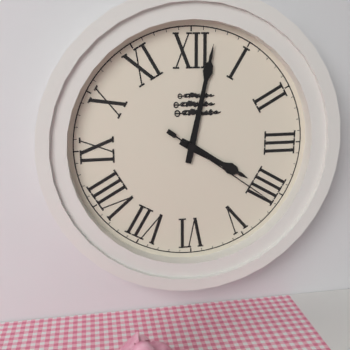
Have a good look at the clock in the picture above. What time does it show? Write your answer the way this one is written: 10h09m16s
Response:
4h02m21s
